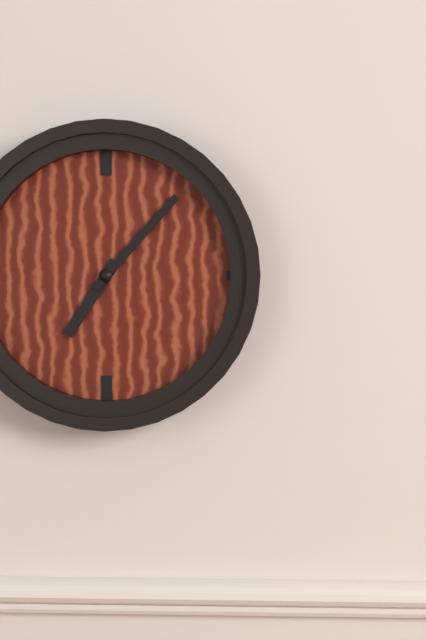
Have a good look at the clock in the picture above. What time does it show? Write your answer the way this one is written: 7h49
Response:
7h07
